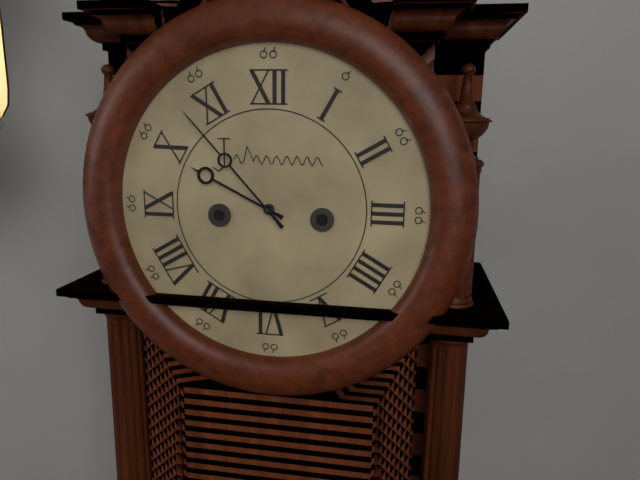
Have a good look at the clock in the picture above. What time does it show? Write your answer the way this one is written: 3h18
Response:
9h53
